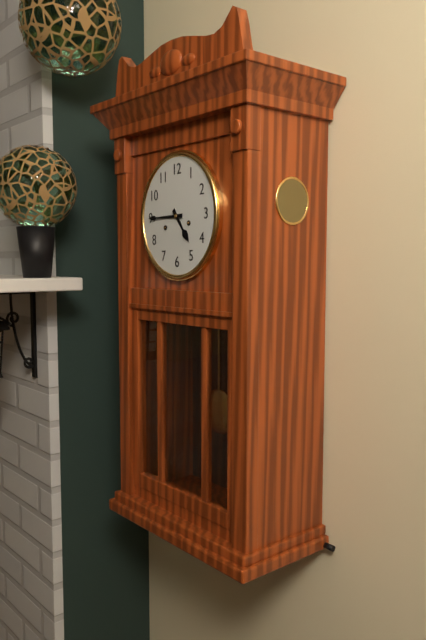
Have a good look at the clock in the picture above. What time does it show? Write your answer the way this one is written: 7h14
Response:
4h45
